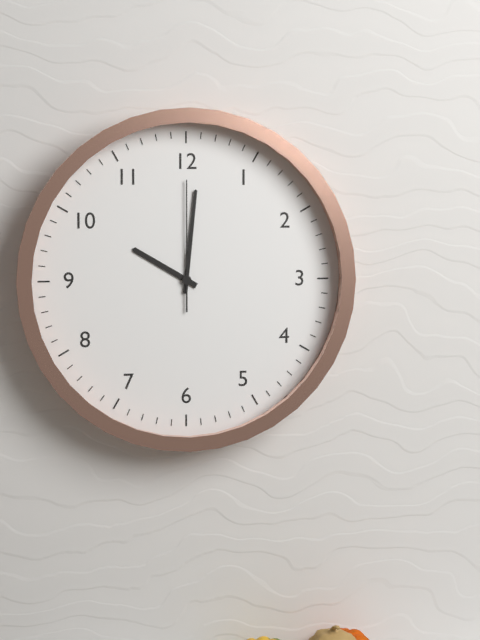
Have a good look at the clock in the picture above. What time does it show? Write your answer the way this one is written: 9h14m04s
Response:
10h01m00s
